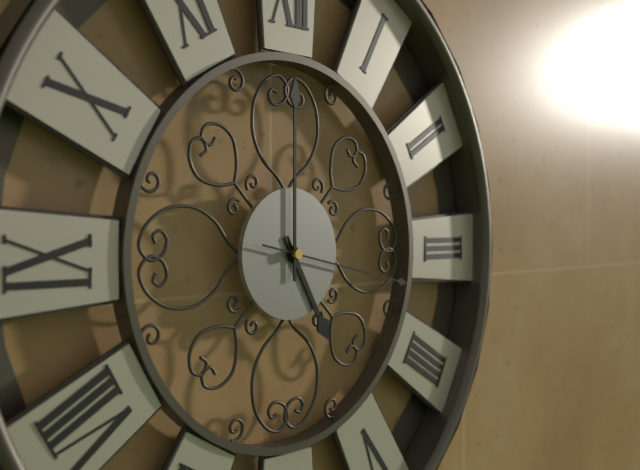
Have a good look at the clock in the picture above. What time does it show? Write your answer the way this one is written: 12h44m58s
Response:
5h00m17s
